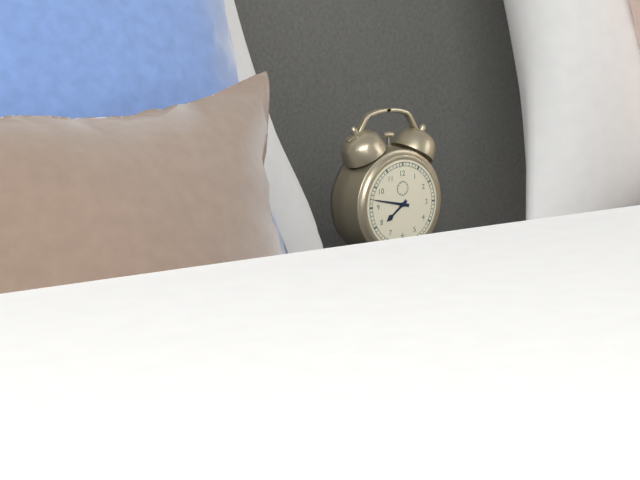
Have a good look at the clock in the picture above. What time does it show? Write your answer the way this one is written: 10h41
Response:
7h47
